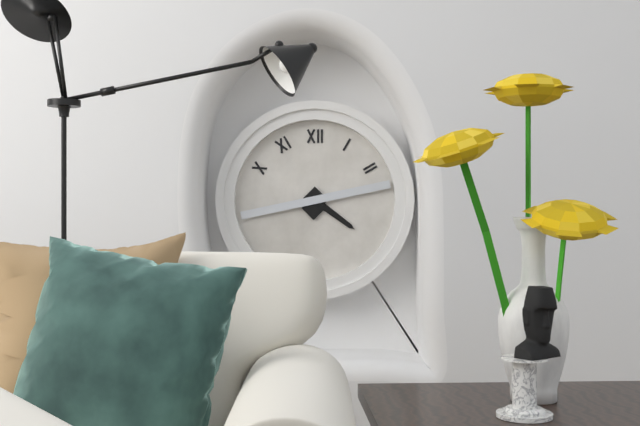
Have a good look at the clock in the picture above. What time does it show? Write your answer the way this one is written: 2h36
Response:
4h13
